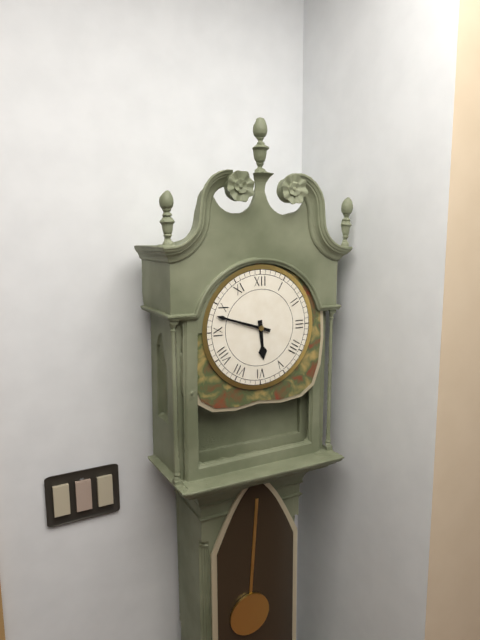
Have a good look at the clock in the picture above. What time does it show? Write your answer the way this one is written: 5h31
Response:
5h48
